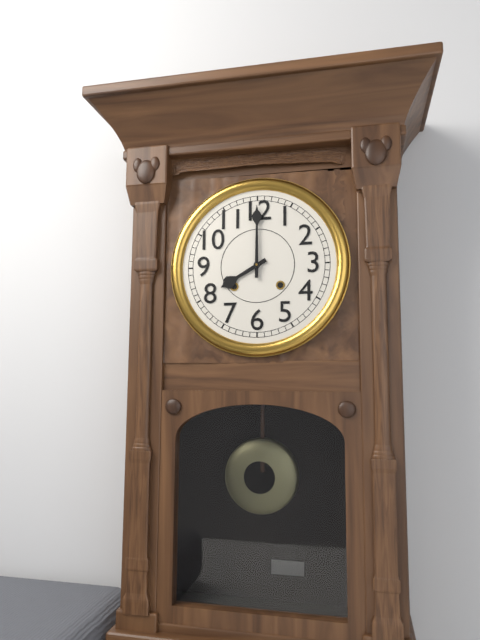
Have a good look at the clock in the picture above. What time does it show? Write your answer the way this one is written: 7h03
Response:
8h00
